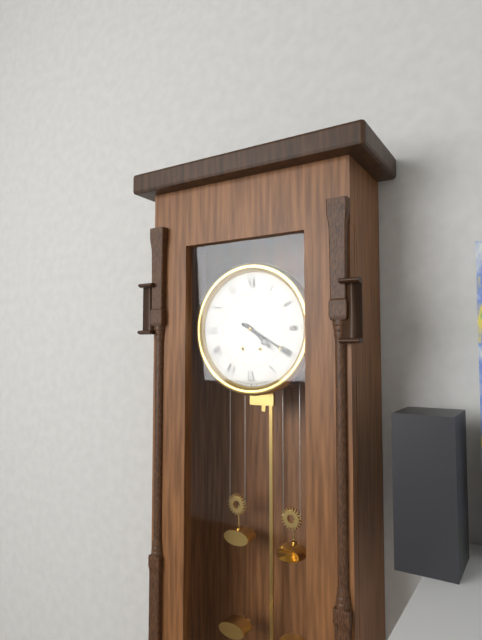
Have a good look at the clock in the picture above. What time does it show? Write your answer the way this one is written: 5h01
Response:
4h20
